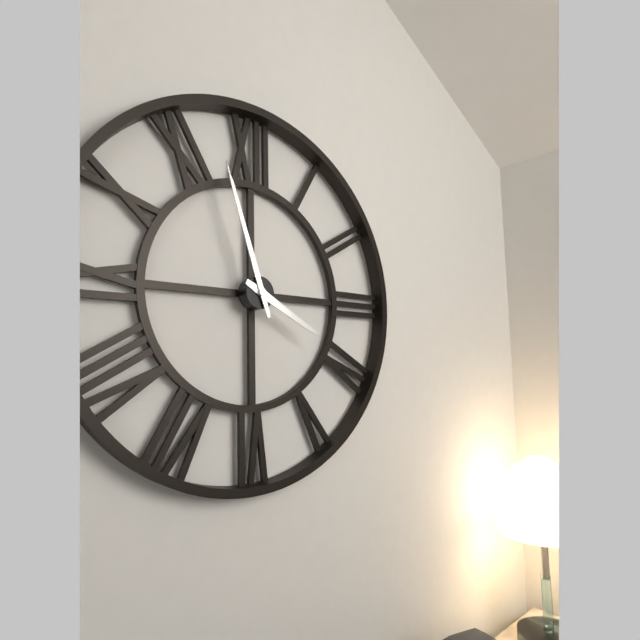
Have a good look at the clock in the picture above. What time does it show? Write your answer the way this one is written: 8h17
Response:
3h57
